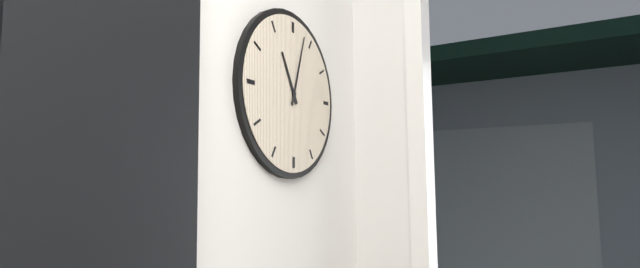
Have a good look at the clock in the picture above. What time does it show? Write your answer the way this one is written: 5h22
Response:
11h03
